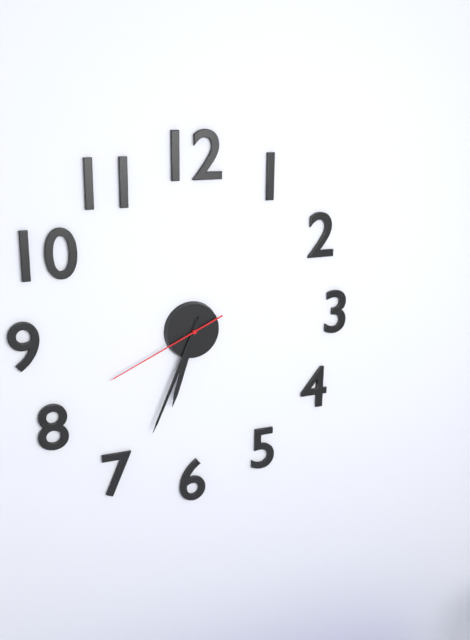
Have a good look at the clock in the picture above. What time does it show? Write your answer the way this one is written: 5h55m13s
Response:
6h34m41s
